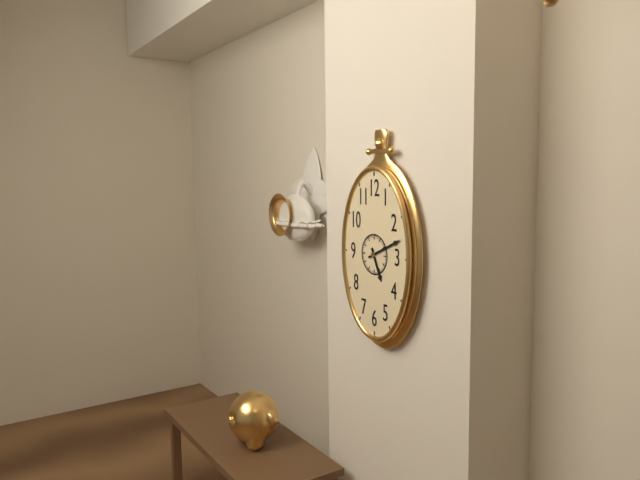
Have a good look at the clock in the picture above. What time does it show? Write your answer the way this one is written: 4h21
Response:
5h11
